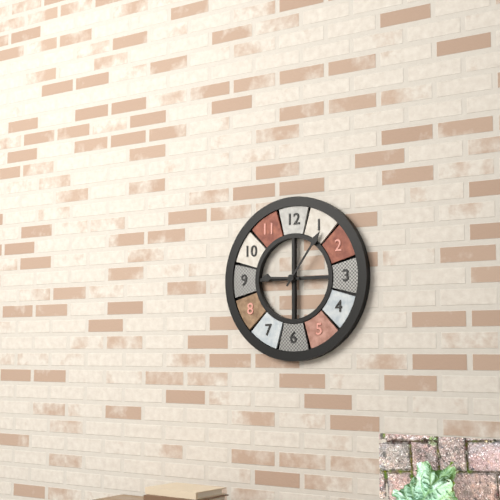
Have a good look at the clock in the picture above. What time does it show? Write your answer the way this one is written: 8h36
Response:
9h06
